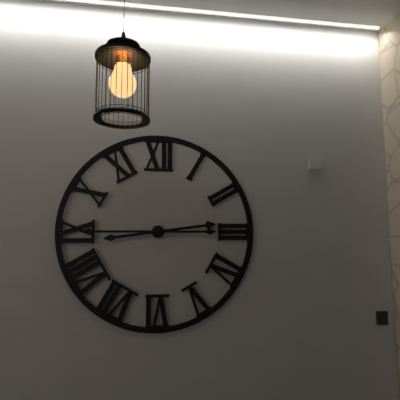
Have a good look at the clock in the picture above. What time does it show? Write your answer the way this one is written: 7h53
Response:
2h45
